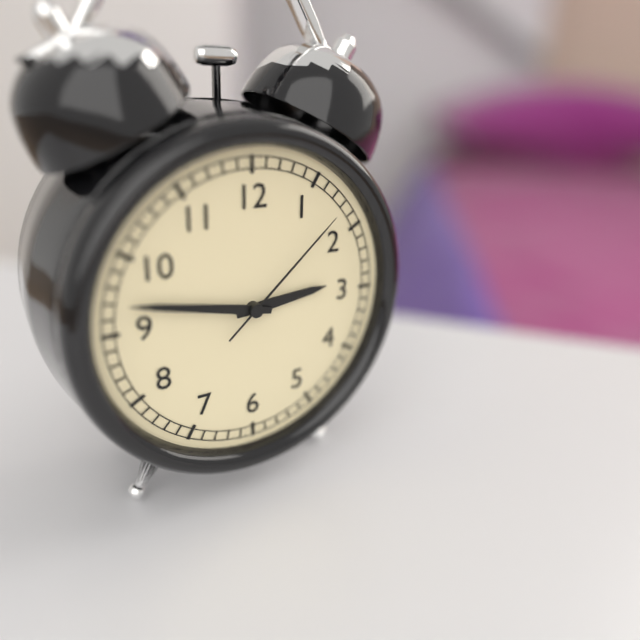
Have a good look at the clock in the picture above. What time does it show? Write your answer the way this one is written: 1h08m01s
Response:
2h47m08s
